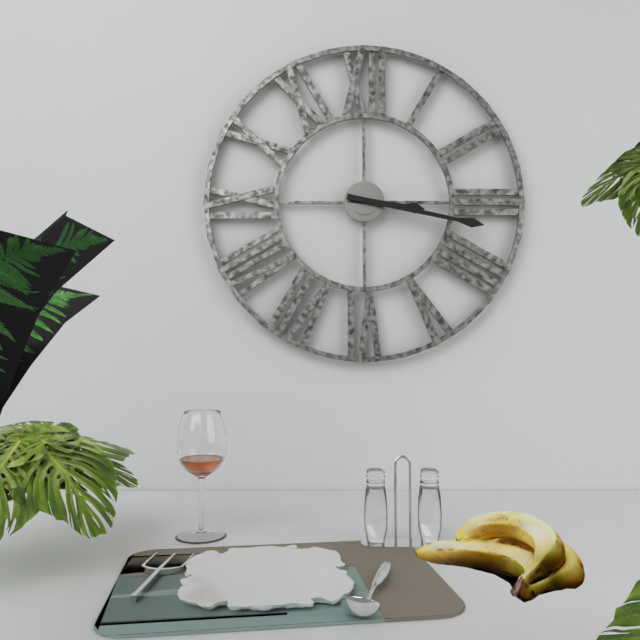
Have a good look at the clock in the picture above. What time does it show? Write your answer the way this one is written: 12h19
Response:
3h17
